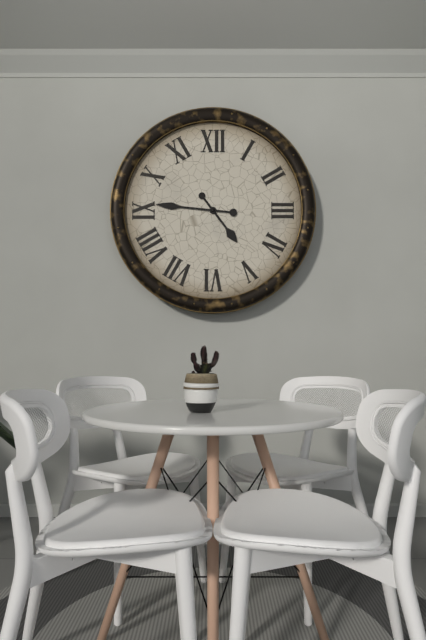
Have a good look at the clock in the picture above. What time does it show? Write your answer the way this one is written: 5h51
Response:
4h46
